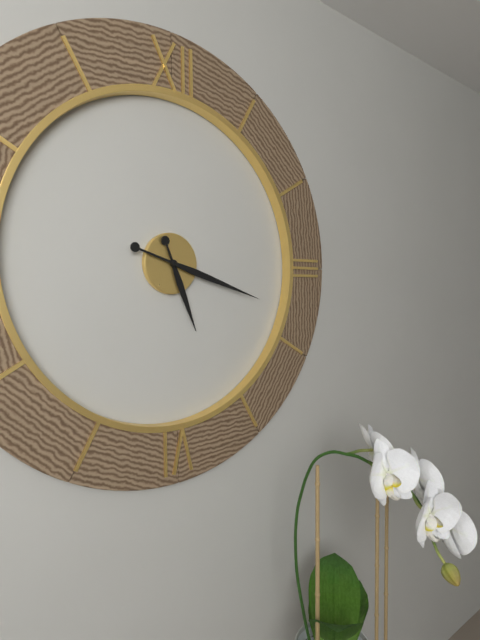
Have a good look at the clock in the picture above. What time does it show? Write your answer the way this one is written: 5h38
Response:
5h18
